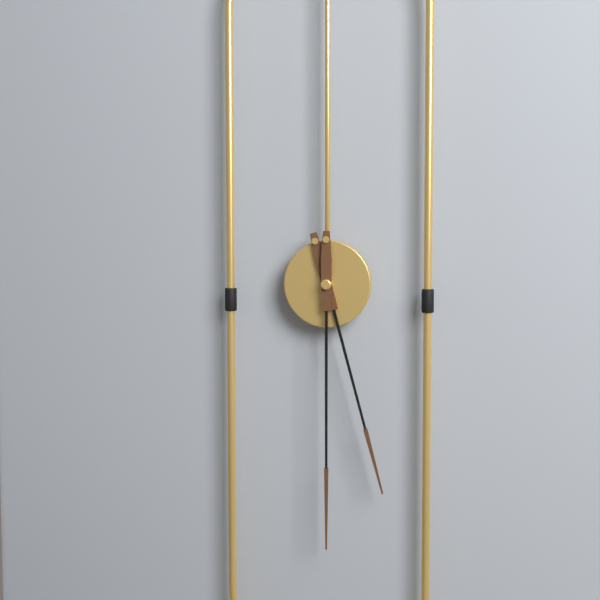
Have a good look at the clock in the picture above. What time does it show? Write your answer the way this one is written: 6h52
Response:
5h30
